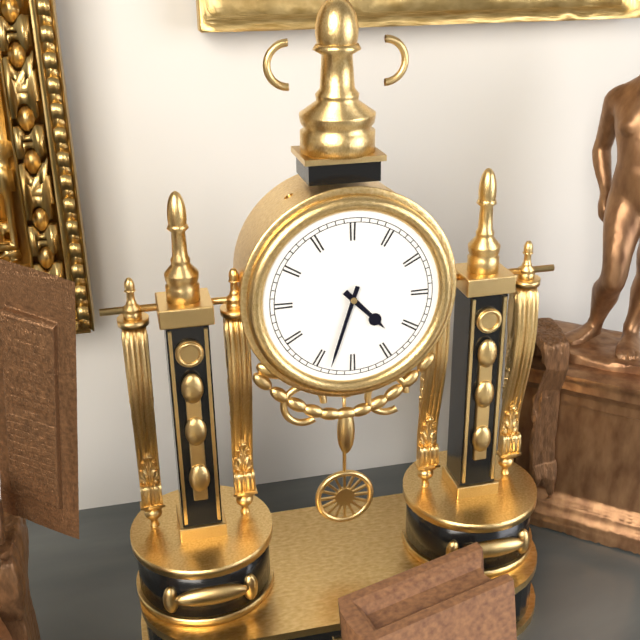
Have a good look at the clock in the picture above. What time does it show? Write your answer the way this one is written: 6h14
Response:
4h33
